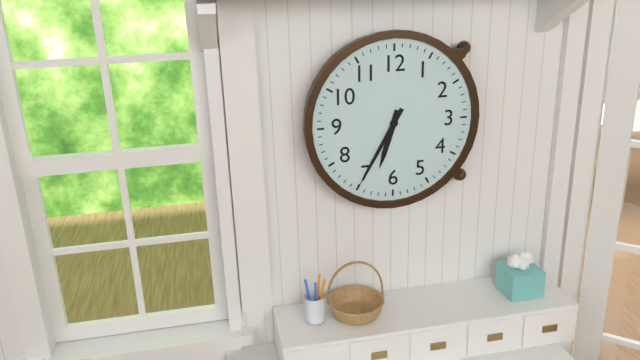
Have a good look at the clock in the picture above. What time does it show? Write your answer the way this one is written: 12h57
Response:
6h35
